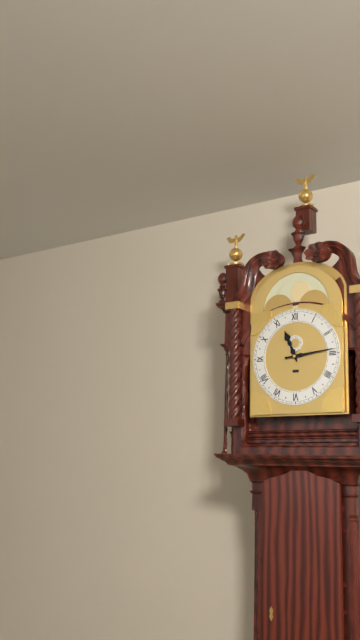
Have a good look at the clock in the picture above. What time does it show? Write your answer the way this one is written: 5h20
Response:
11h14
